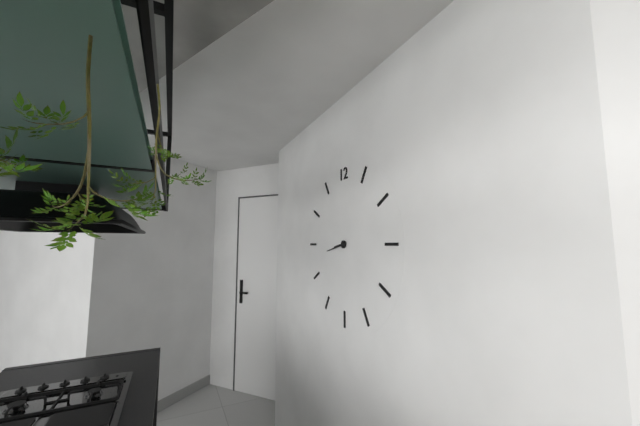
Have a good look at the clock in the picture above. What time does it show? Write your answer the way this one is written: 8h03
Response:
8h43
